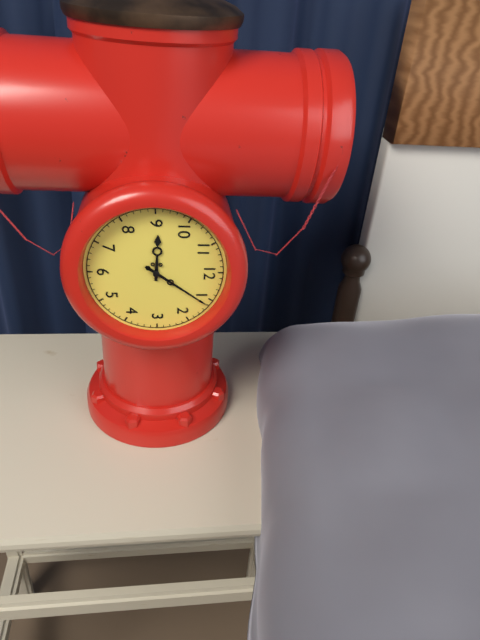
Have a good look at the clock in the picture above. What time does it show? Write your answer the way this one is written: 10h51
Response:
9h06
